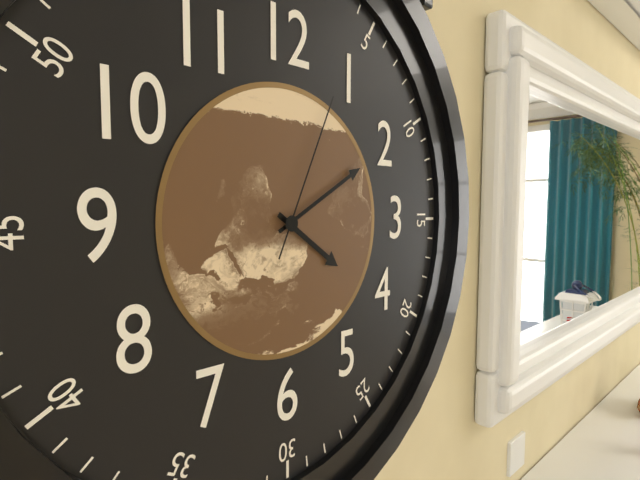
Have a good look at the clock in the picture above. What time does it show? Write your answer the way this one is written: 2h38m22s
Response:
4h10m04s
